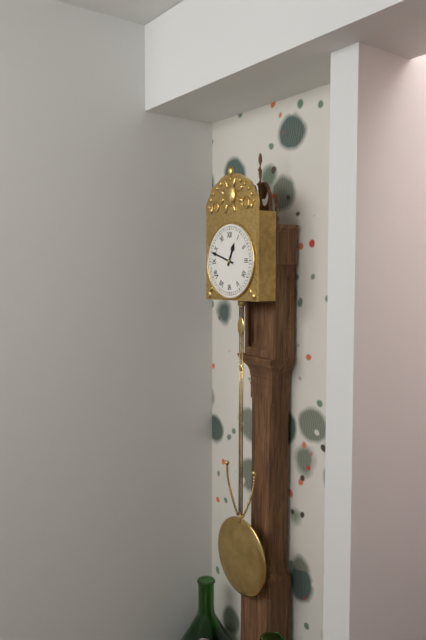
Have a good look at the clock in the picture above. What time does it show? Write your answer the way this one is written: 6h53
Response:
12h48
